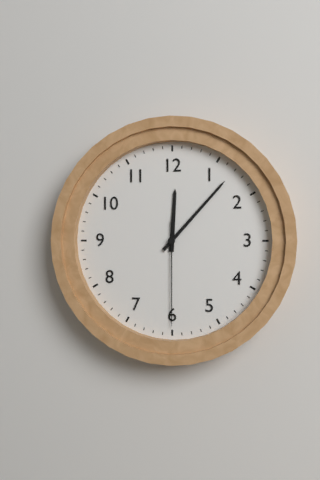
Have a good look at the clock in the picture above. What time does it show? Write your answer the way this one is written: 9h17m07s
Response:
12h07m30s
